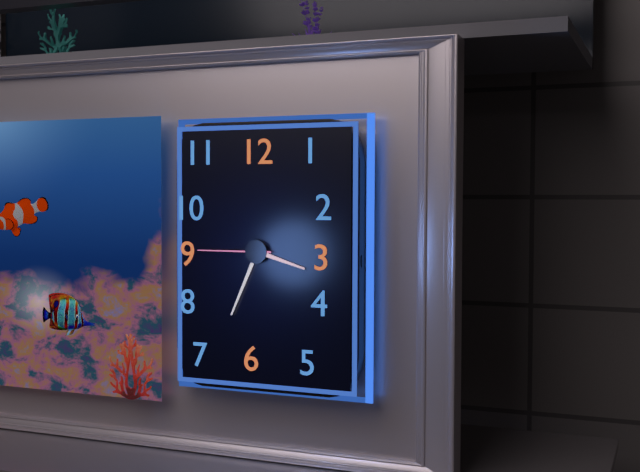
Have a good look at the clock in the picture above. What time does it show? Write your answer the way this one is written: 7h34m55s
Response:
3h34m45s
